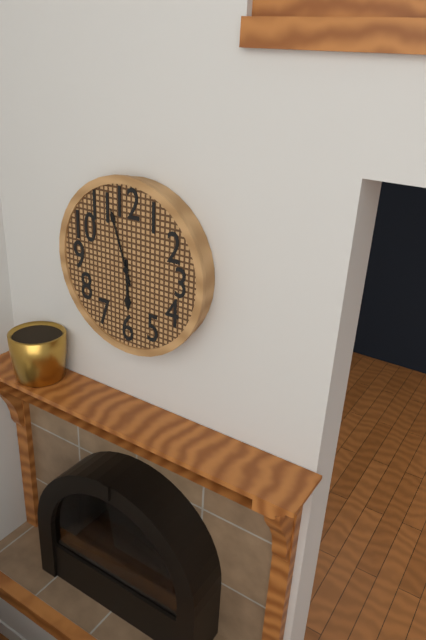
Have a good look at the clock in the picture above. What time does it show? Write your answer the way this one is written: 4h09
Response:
5h57
